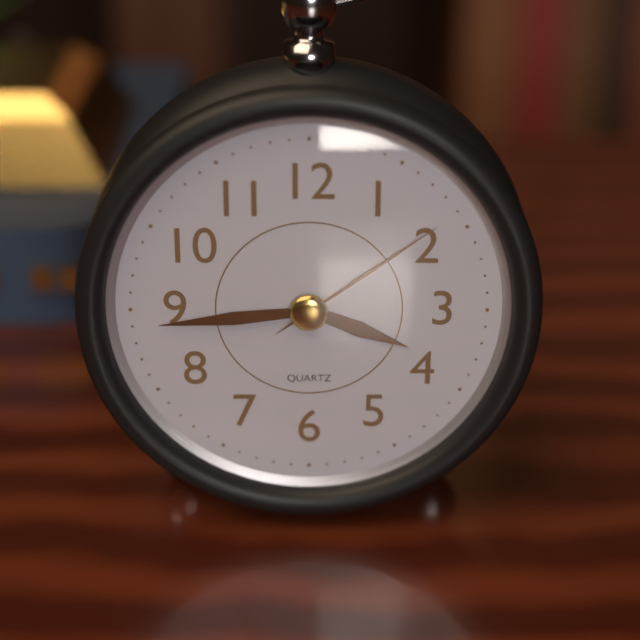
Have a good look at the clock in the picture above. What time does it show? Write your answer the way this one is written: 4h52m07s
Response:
3h44m09s
